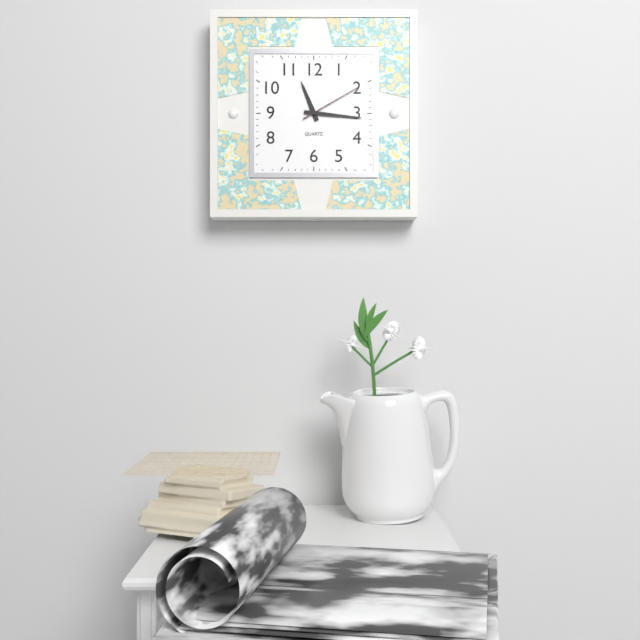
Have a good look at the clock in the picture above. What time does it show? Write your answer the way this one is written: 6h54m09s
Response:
11h16m10s
